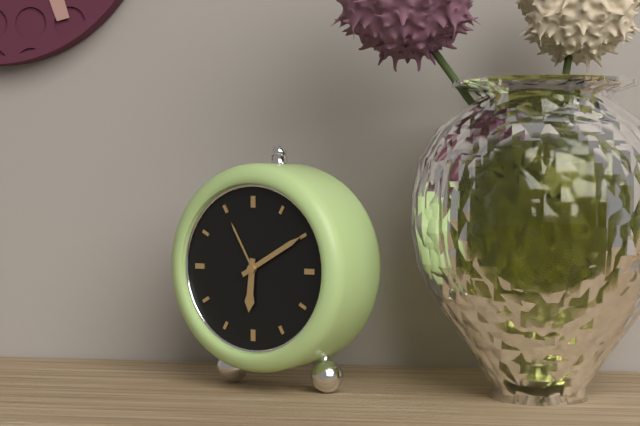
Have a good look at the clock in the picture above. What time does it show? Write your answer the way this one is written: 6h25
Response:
6h10
